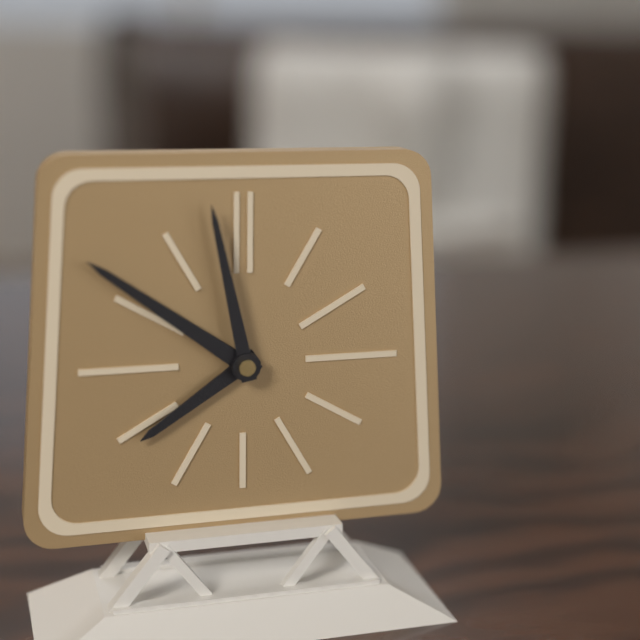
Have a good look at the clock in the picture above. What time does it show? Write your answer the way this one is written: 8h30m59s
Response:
7h51m58s
